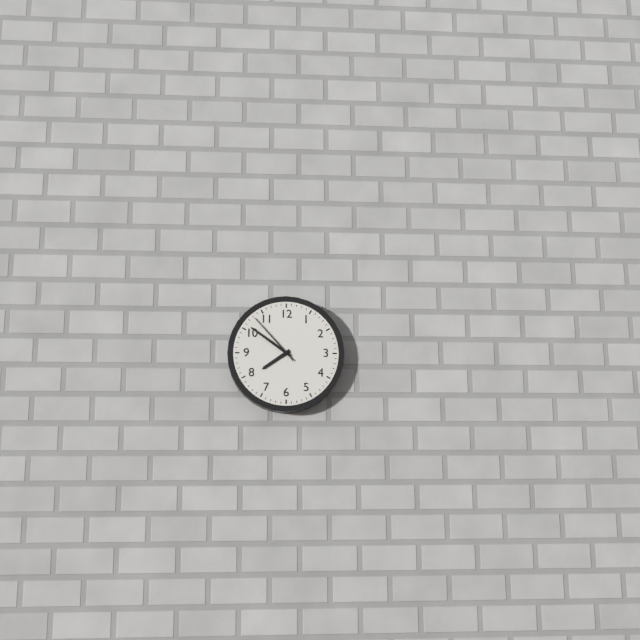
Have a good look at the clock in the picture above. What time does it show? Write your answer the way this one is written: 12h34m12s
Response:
7h51m53s
